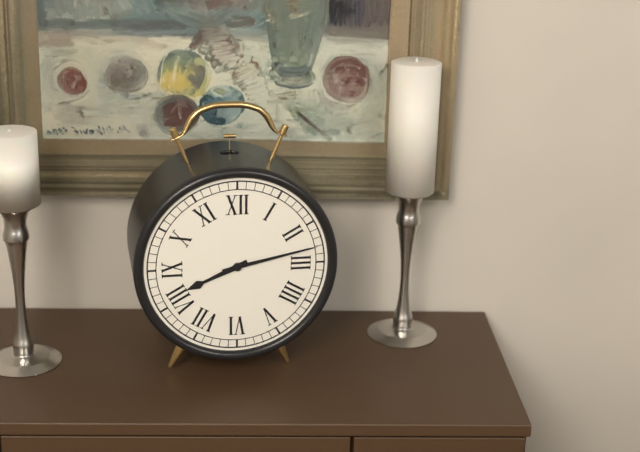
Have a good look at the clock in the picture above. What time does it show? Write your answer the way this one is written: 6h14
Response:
8h13
